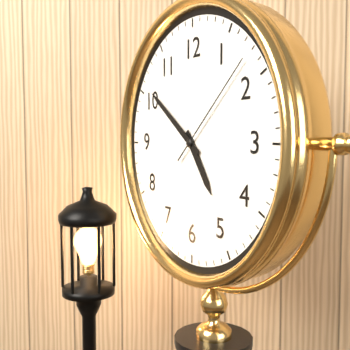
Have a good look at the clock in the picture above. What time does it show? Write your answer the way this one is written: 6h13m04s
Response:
4h51m08s
